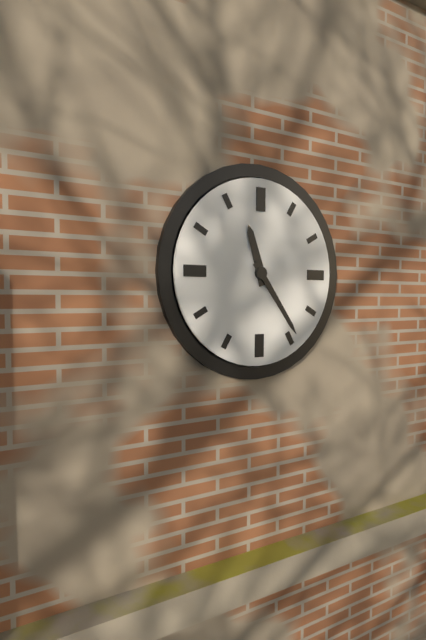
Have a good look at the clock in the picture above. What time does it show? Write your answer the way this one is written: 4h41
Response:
11h24
